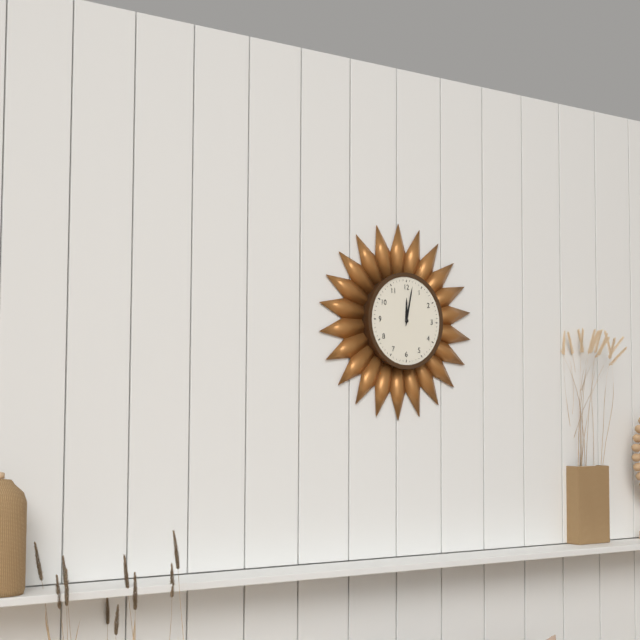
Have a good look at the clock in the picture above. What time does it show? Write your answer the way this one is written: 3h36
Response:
12h02
